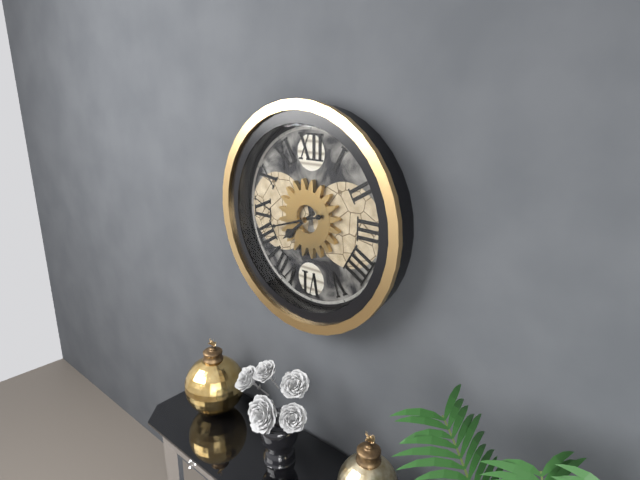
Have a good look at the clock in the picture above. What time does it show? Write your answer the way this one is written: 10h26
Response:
7h42
